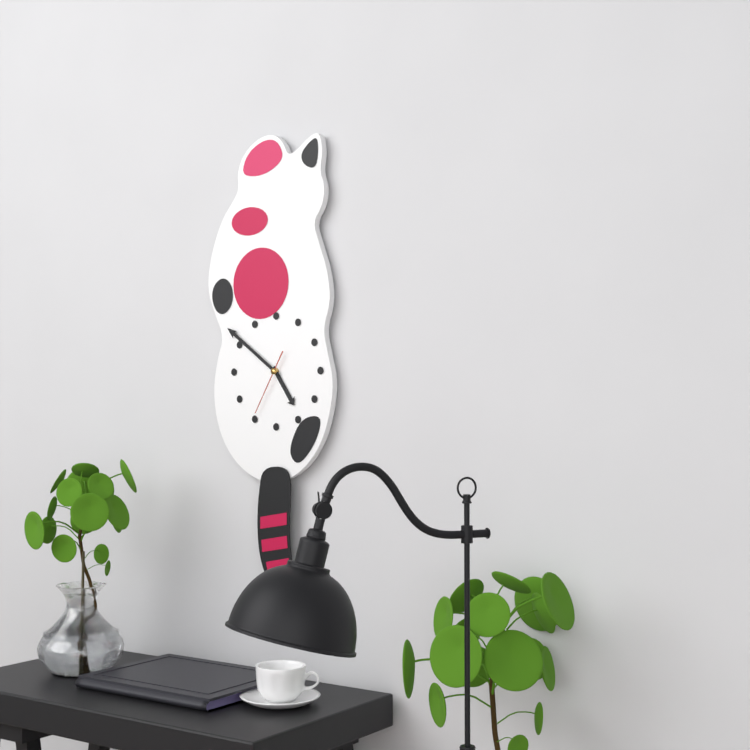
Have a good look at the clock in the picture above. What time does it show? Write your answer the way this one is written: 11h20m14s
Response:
4h51m35s
